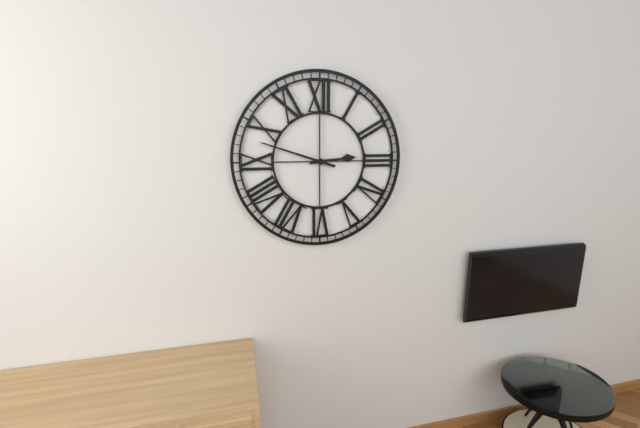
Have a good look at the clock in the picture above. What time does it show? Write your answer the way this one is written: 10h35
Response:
2h48
